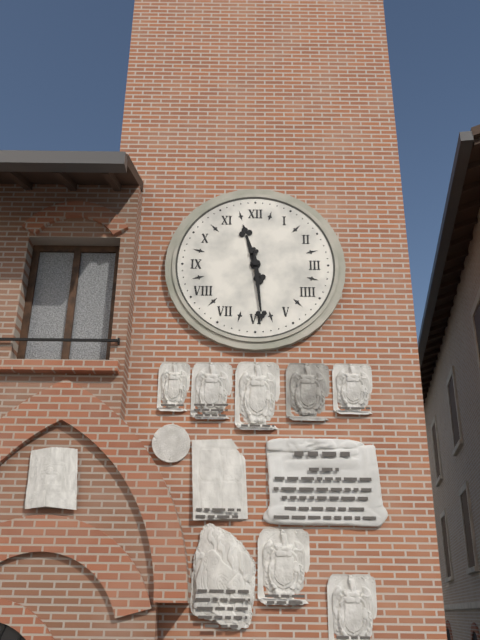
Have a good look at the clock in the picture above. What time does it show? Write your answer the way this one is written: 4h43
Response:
11h29
